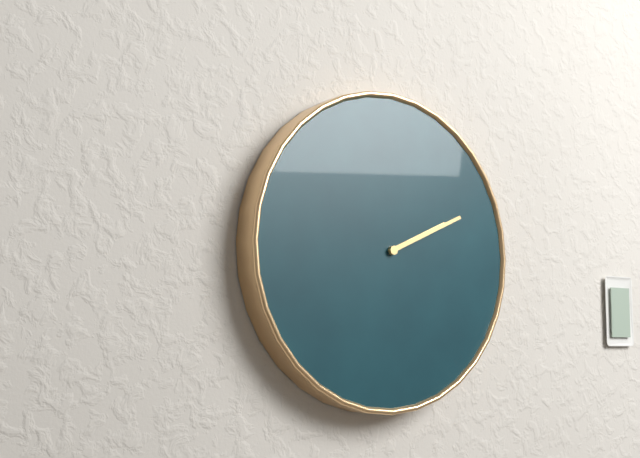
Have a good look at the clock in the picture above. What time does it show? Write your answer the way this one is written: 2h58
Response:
2h11
